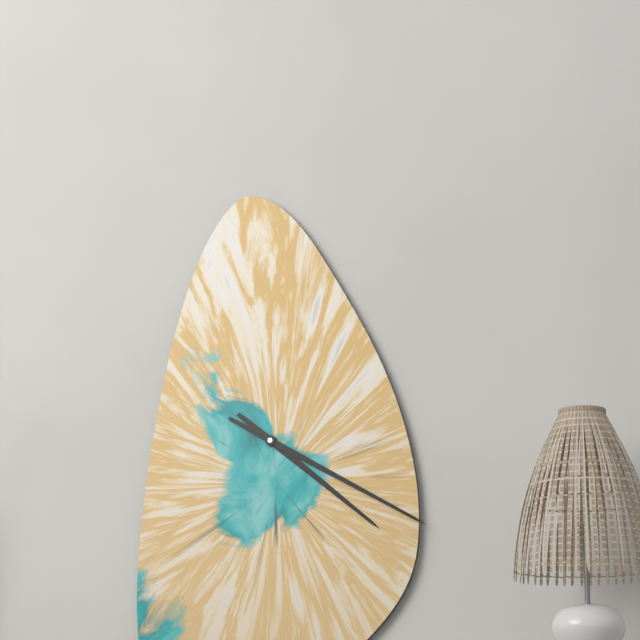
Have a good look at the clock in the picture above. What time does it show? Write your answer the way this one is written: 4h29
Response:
4h20
